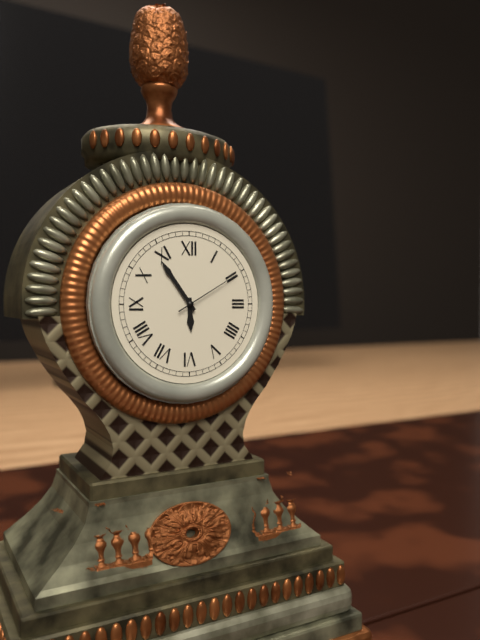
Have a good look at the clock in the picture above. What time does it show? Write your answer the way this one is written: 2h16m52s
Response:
5h54m10s
